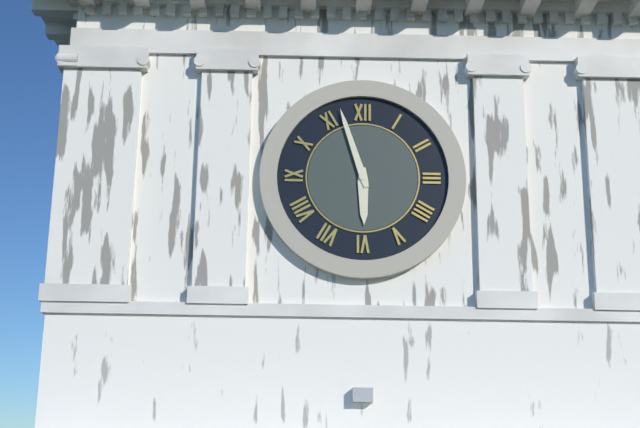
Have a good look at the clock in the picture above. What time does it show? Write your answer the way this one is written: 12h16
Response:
5h57
